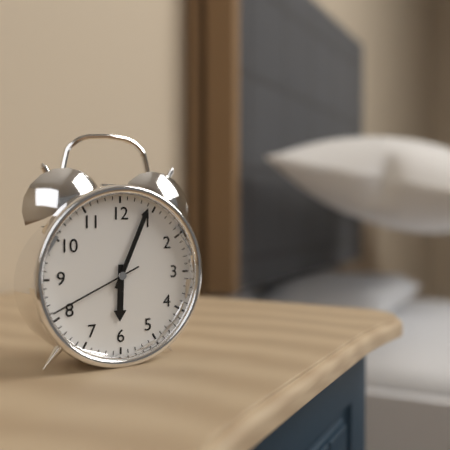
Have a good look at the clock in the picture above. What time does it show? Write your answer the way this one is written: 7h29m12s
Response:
6h04m41s
